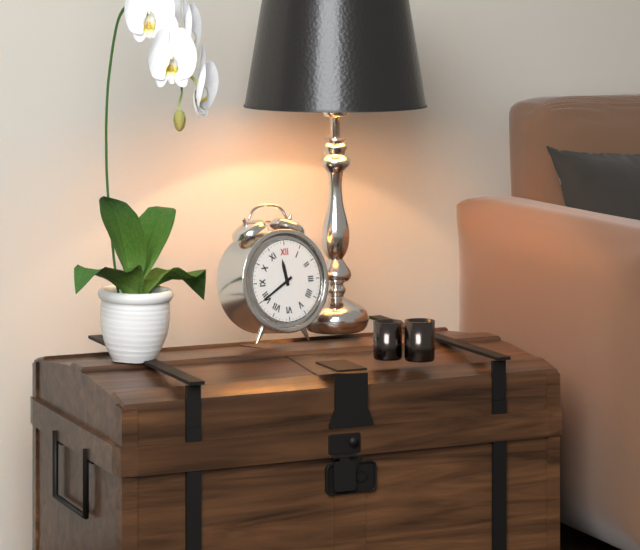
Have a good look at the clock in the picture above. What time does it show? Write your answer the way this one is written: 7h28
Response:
11h40
